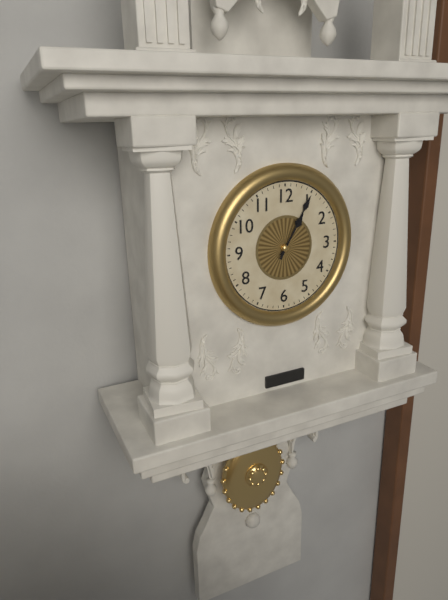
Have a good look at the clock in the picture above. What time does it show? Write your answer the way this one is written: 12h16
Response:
1h05
